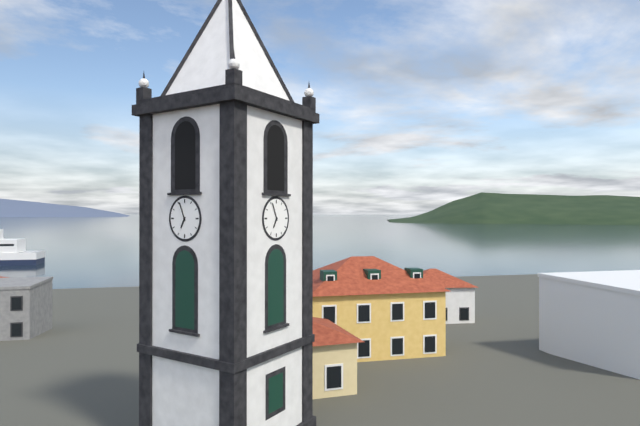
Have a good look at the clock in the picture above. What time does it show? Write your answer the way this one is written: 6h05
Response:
6h56
